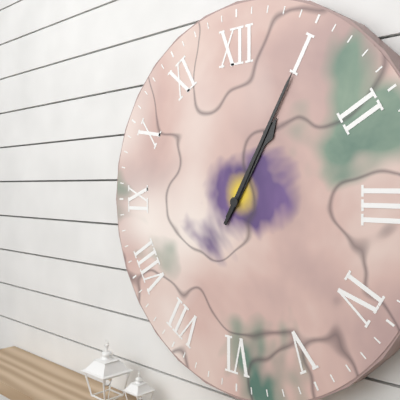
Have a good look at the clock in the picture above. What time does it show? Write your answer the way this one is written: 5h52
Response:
1h05
